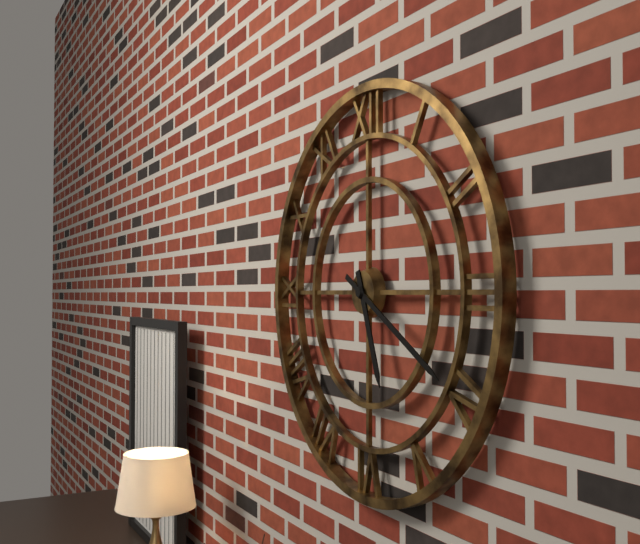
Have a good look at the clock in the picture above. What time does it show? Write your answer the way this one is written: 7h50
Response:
5h20
